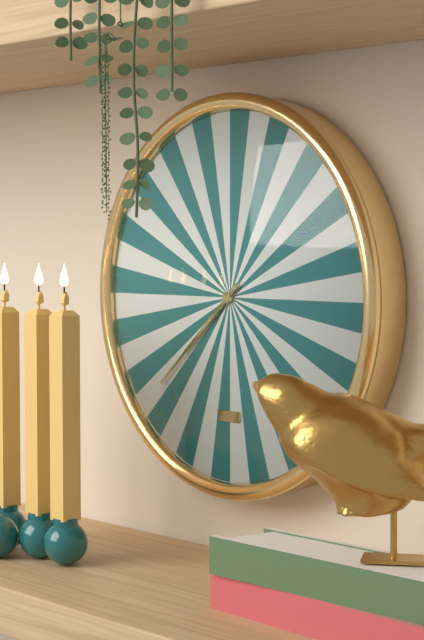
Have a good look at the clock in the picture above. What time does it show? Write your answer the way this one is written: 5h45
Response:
7h38
